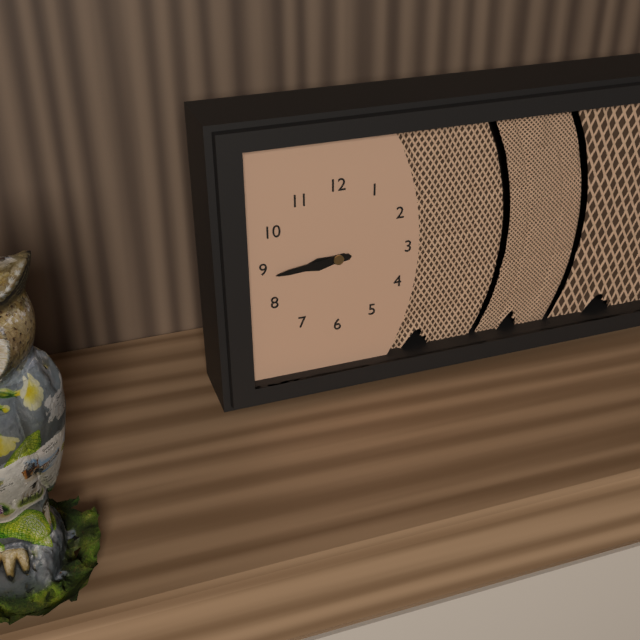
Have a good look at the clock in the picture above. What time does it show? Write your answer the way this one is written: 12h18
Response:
8h44
